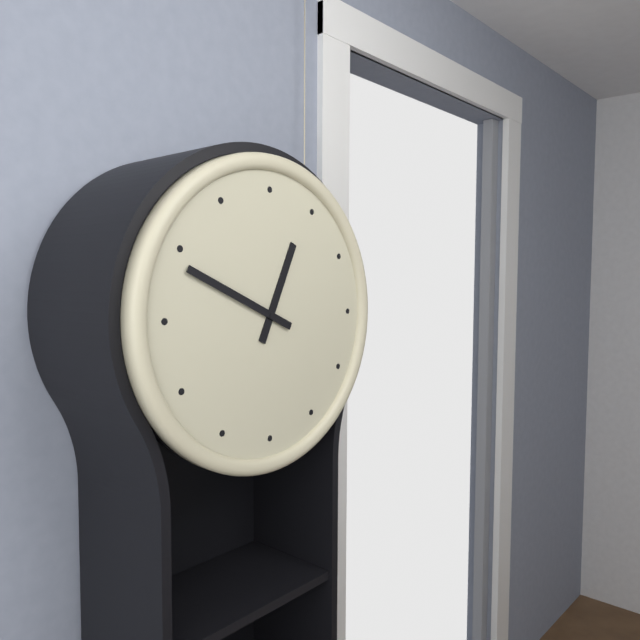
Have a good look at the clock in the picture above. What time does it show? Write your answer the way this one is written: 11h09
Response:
12h49
